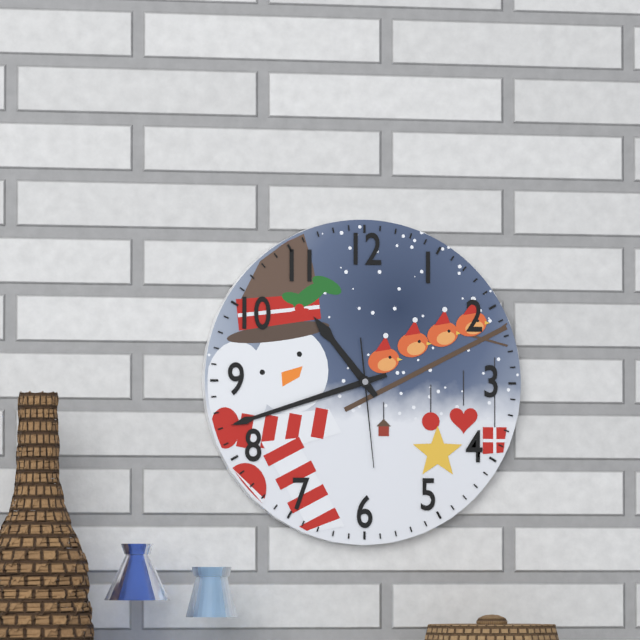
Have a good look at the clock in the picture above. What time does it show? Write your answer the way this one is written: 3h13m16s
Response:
10h42m29s
